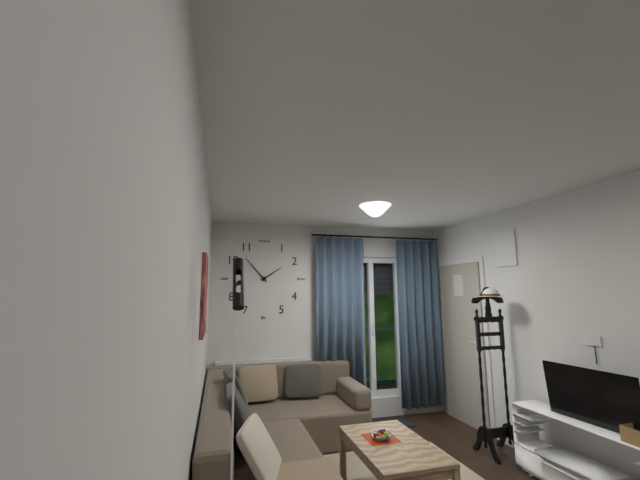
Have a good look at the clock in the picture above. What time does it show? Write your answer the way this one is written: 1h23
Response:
1h53
